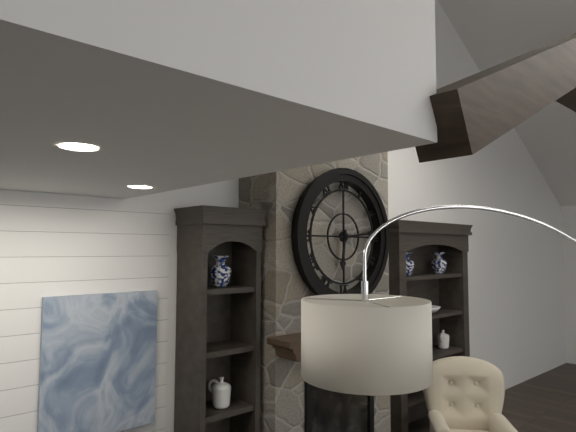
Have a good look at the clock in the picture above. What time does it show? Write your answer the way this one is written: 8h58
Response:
6h14
